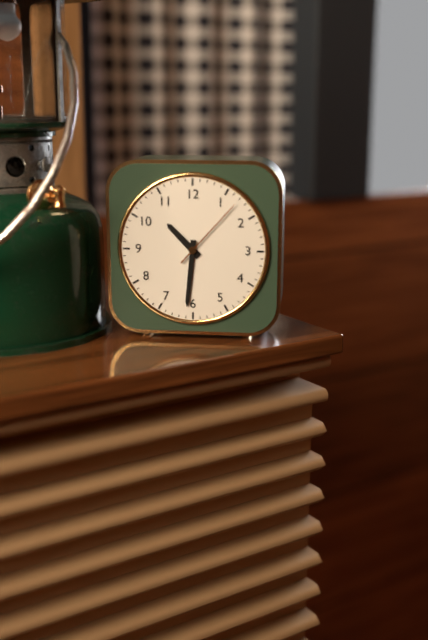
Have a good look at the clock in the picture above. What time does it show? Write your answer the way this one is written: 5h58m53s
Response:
10h31m07s
